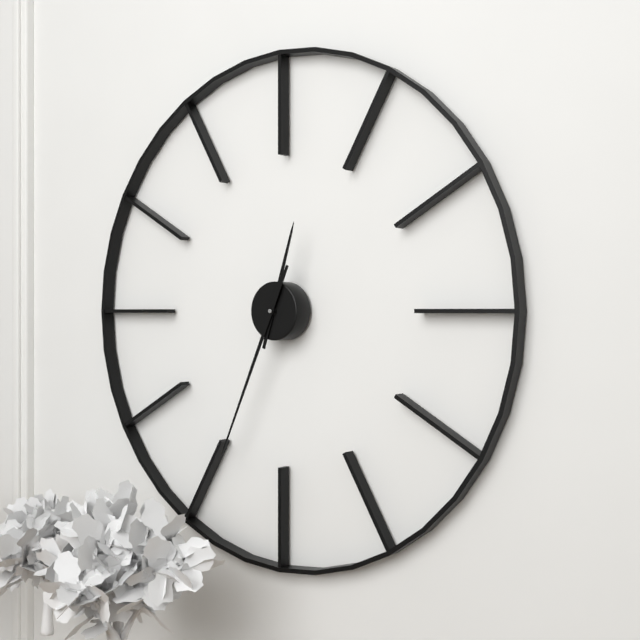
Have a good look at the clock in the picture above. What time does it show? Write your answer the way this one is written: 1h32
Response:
12h34
